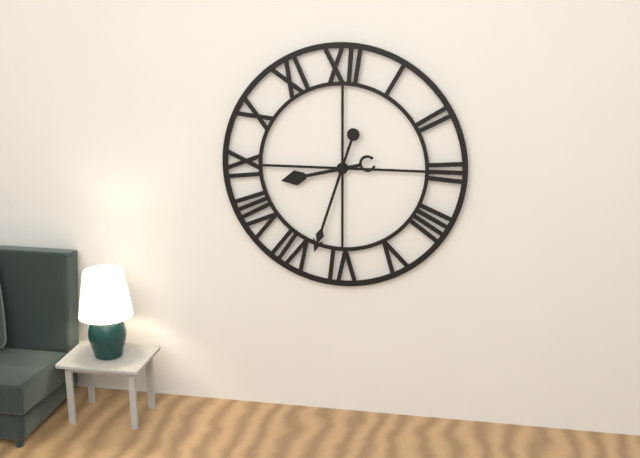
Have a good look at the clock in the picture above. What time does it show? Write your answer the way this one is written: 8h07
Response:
8h33
